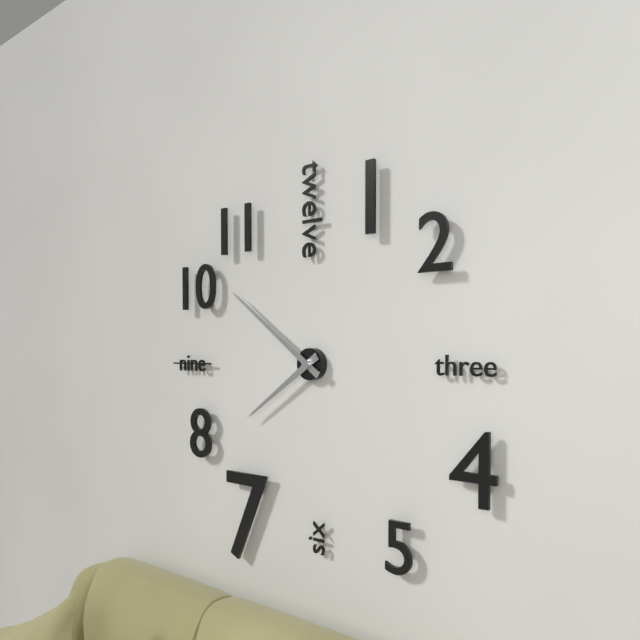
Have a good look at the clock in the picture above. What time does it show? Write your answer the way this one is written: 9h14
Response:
7h51
